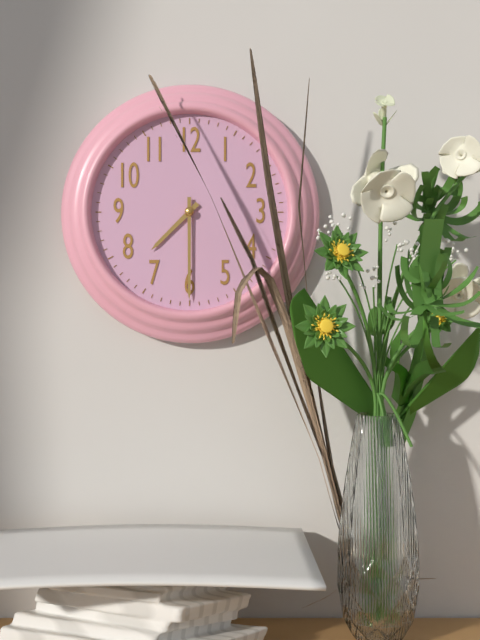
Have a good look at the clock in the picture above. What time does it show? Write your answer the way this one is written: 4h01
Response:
7h30
